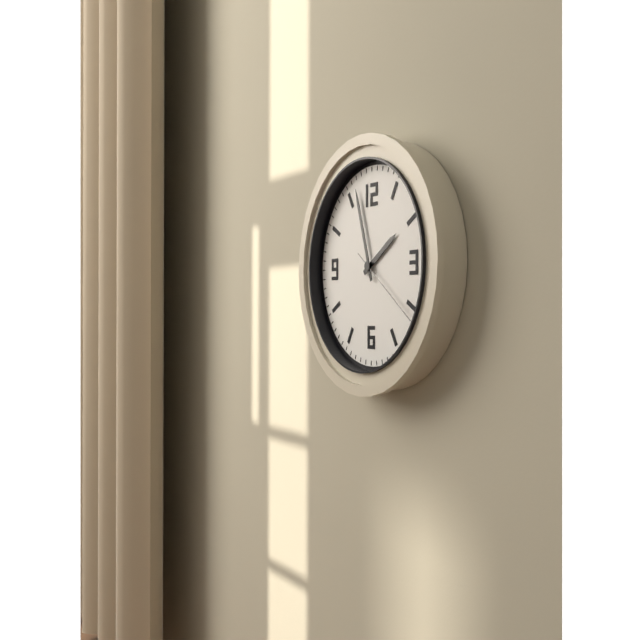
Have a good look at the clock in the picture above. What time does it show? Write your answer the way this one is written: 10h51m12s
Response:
1h57m21s
